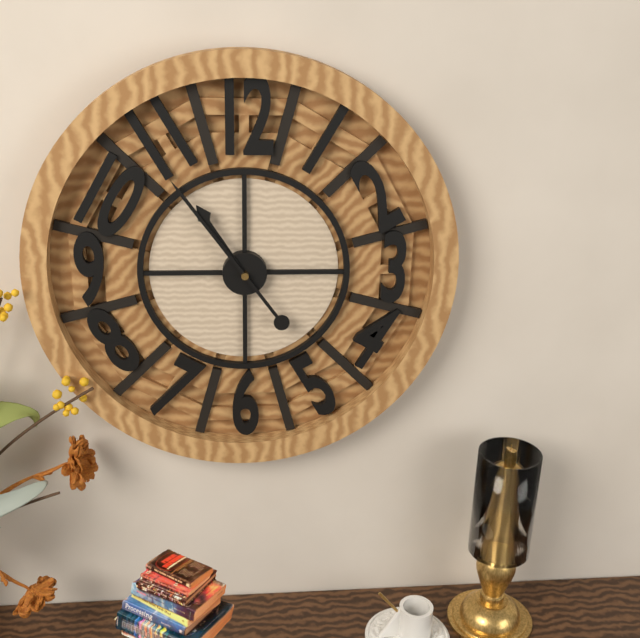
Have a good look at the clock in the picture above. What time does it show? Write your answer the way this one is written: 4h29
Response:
10h54
